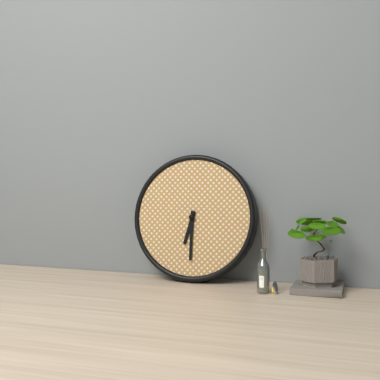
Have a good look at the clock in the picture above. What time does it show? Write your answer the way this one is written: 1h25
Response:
6h30
